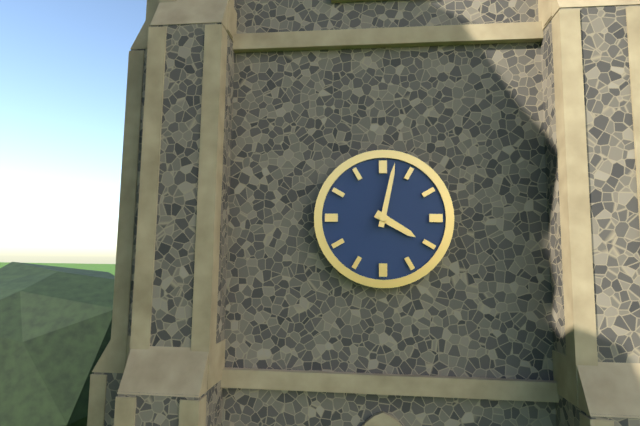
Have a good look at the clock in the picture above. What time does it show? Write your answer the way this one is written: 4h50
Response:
4h02
